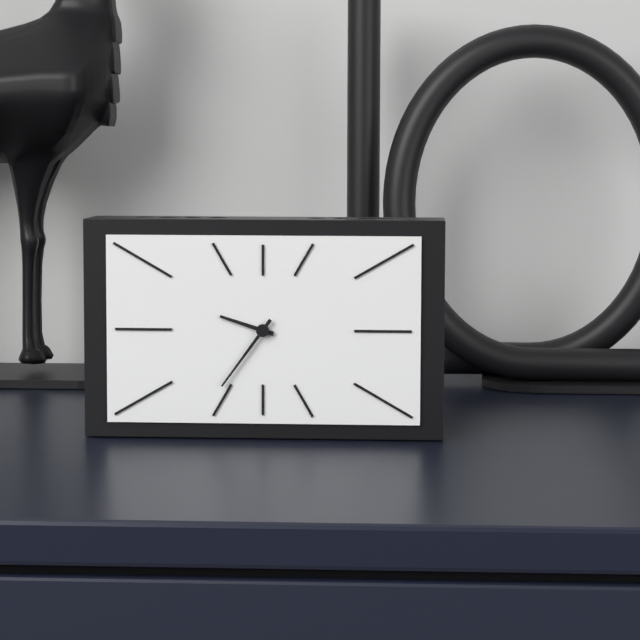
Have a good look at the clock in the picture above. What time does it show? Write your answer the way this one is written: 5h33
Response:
9h36
